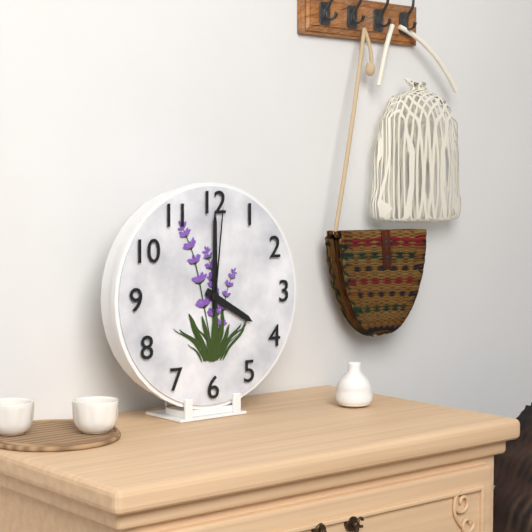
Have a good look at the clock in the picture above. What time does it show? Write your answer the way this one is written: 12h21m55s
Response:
4h00m01s
